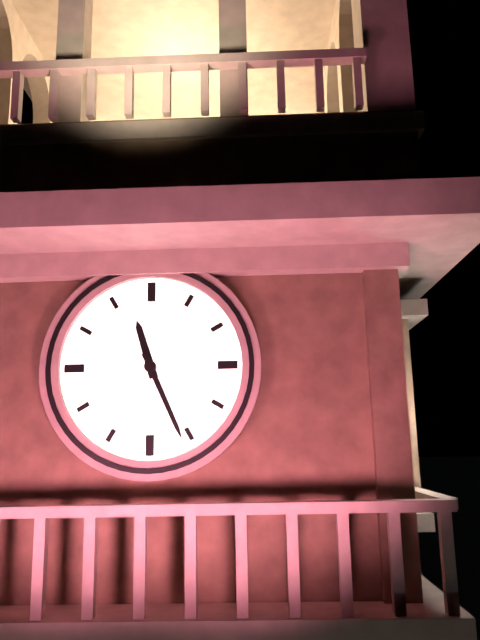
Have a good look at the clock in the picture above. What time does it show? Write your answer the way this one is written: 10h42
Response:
11h26
